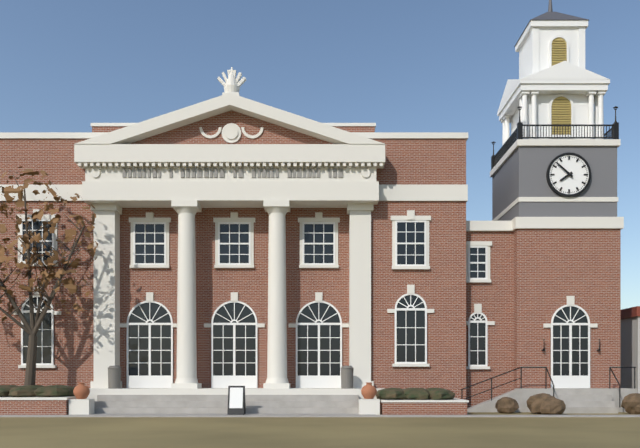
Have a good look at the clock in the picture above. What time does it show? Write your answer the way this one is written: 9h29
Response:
7h52
